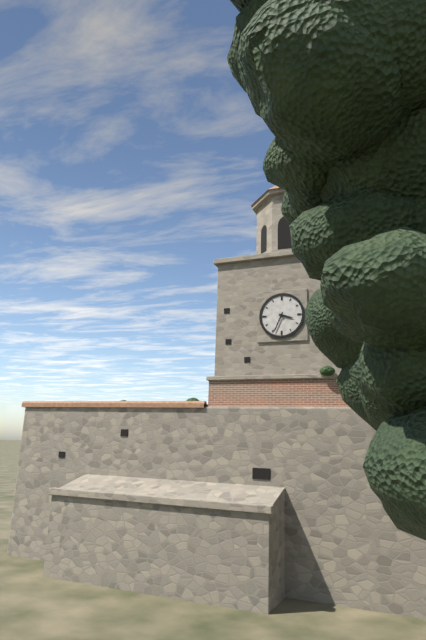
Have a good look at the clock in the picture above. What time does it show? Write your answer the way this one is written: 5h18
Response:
3h34
